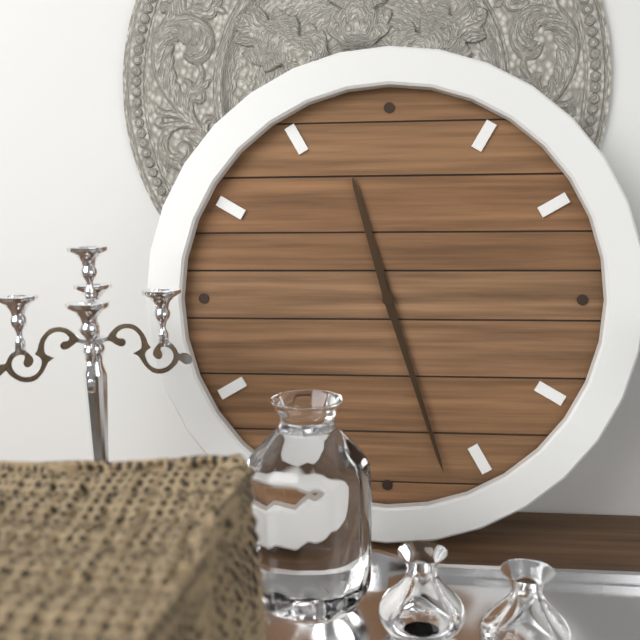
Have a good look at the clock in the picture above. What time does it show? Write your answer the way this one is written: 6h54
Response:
11h27
